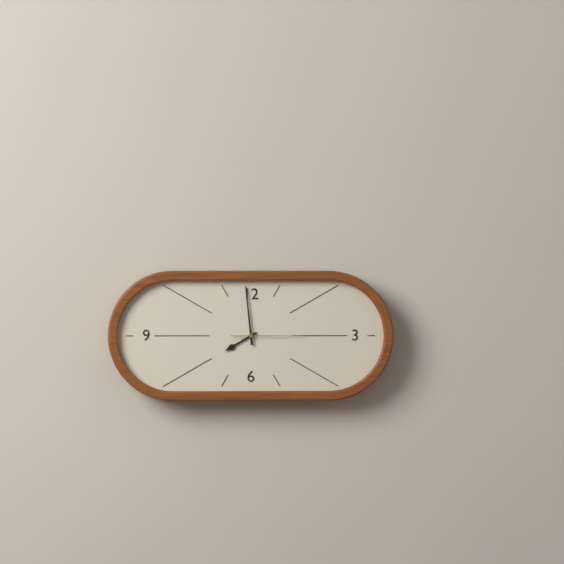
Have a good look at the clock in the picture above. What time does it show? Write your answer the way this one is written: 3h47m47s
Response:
7h59m15s
